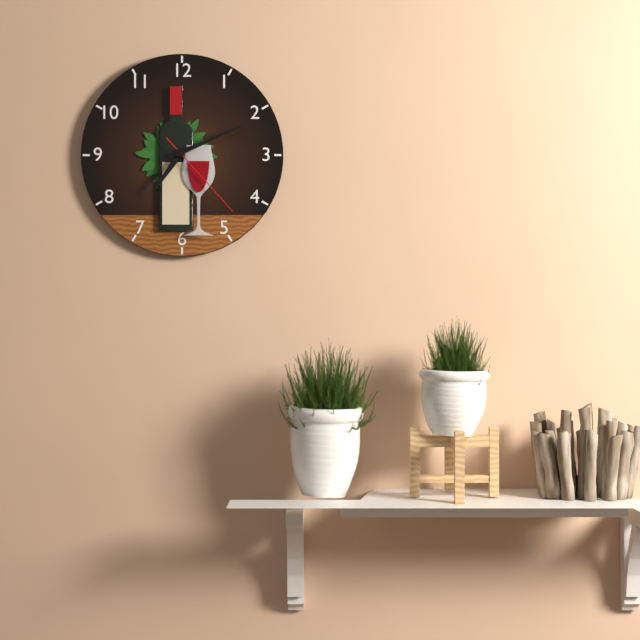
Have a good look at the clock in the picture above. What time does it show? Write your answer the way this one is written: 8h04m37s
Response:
7h11m23s
